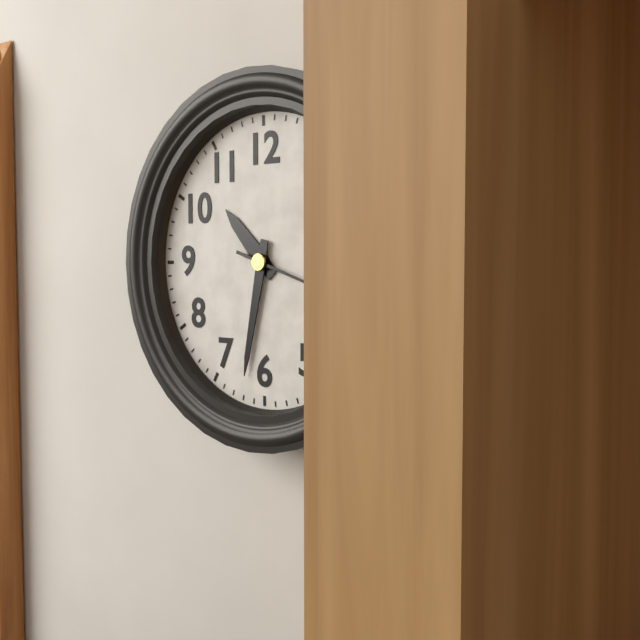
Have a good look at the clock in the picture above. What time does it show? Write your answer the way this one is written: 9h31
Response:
10h32
